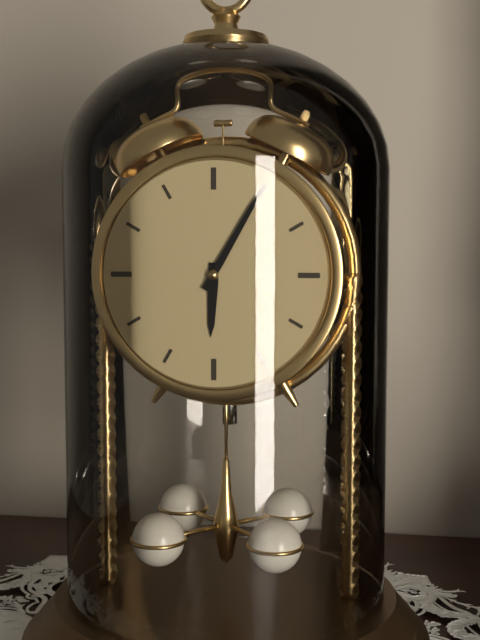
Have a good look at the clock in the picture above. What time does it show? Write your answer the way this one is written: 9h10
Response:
6h05
